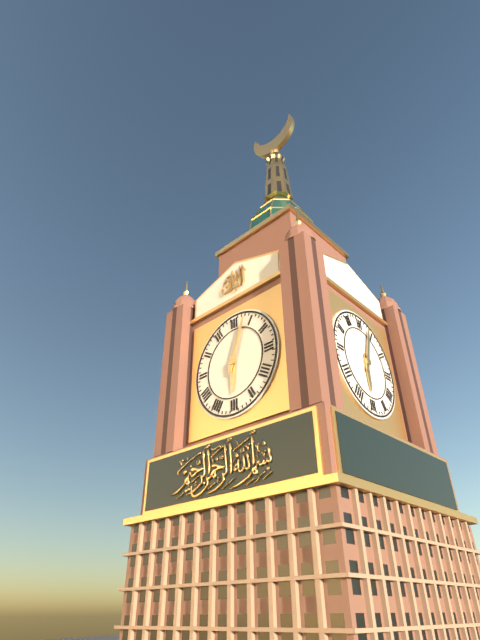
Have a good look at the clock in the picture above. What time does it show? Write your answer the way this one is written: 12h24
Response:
6h03
